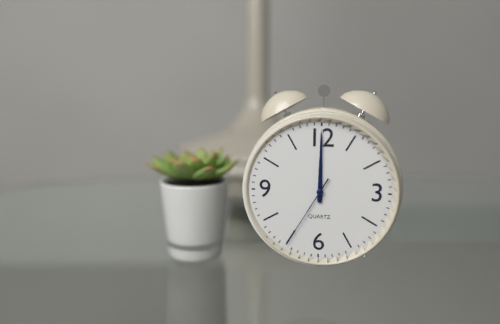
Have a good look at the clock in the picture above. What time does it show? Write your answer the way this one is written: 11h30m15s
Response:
12h00m35s
